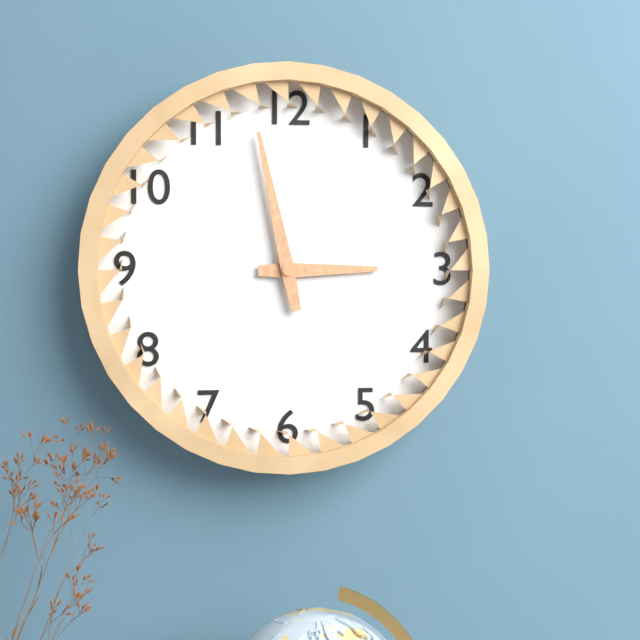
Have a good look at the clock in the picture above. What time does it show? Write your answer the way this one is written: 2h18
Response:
2h58
